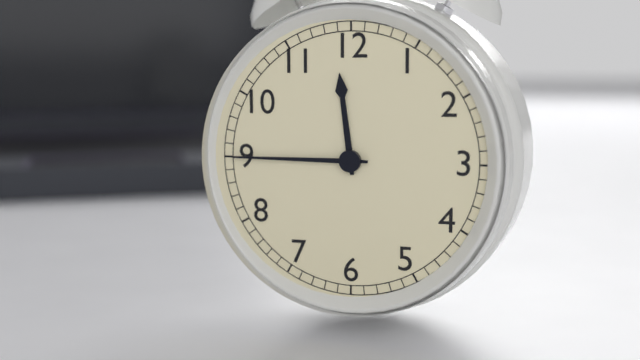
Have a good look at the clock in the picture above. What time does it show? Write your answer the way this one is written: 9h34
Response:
11h45
